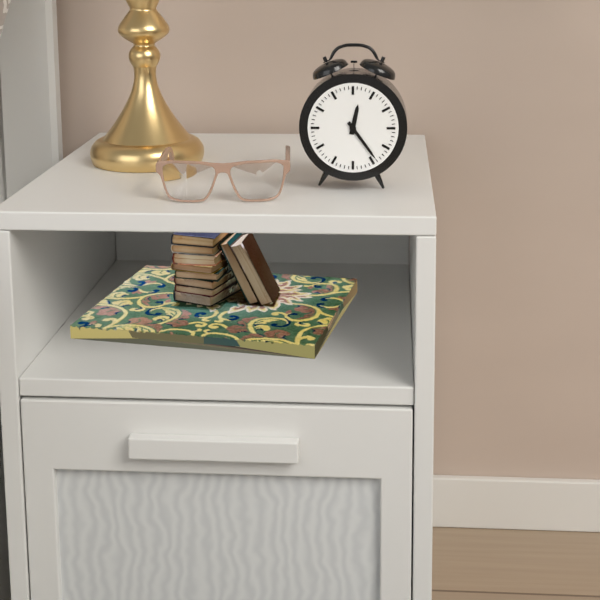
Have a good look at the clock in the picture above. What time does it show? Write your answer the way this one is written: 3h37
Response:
12h24
